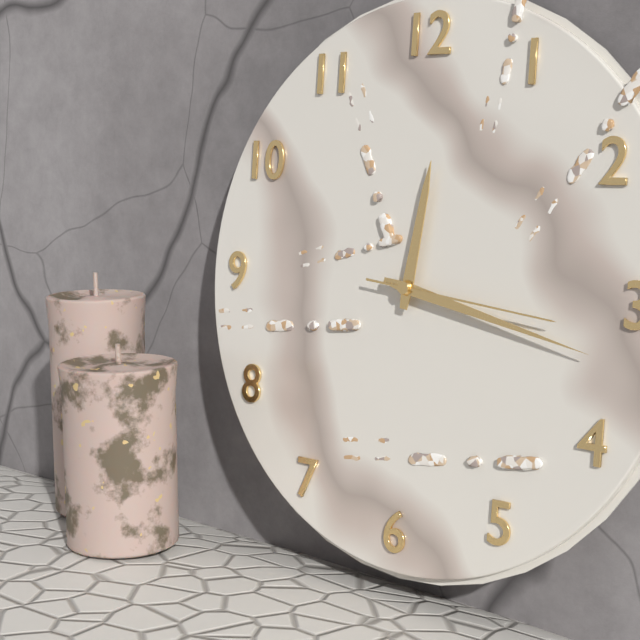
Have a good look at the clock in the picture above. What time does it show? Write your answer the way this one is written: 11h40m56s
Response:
12h17m16s
